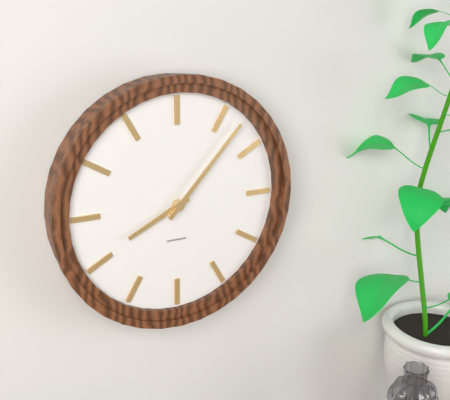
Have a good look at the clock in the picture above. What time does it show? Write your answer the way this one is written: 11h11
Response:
8h07
